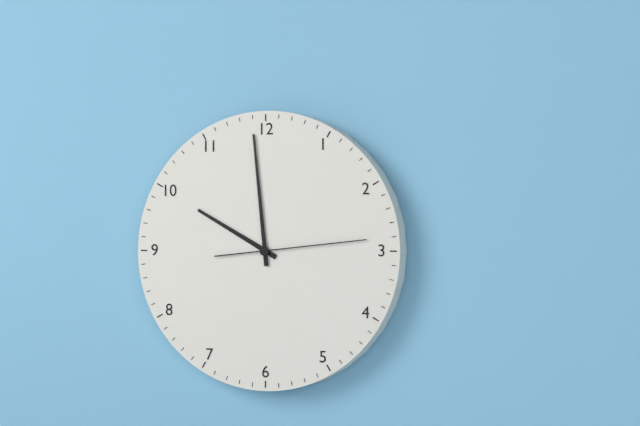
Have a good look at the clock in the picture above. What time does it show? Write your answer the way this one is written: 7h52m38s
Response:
9h59m14s
